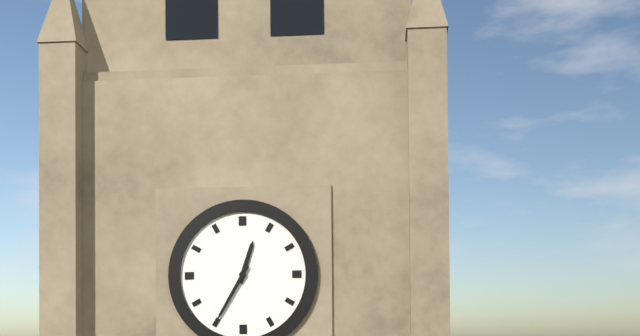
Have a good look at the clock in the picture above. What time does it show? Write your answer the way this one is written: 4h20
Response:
12h35
